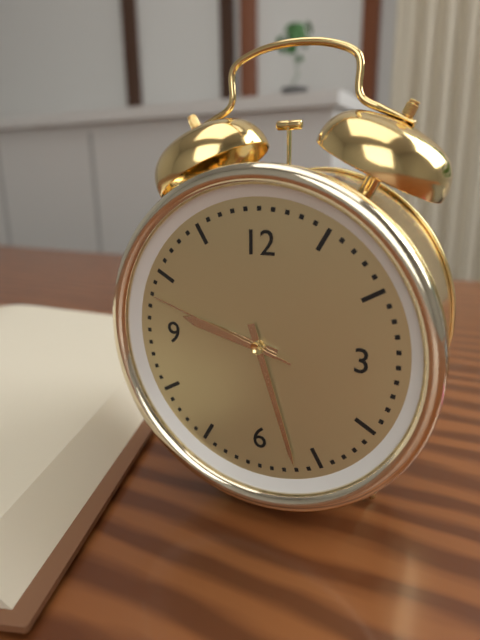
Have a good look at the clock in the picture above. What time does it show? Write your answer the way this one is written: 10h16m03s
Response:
9h27m48s
